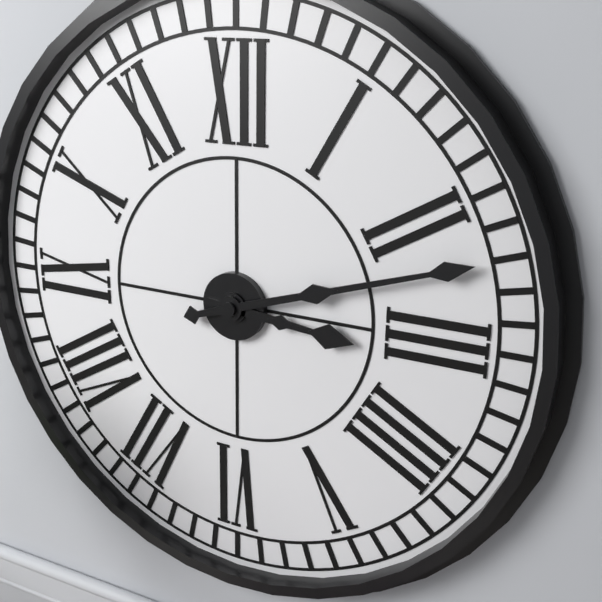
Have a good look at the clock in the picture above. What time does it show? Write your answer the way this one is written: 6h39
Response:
3h12
